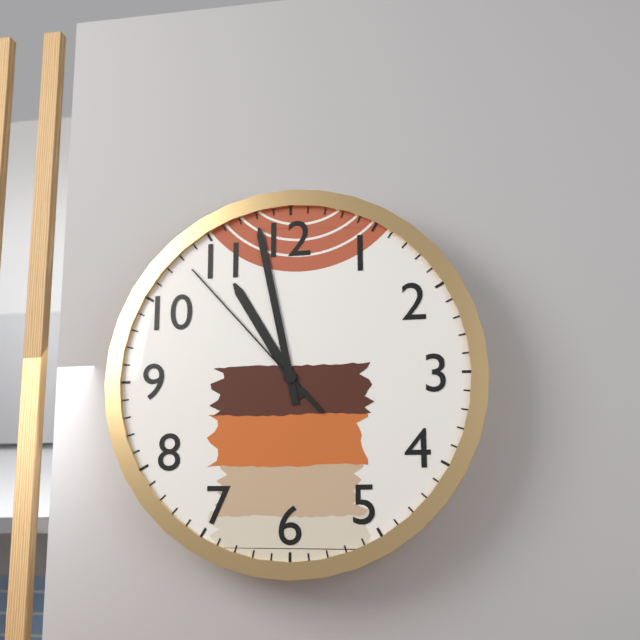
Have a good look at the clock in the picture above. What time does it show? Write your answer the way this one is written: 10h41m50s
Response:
10h58m53s
